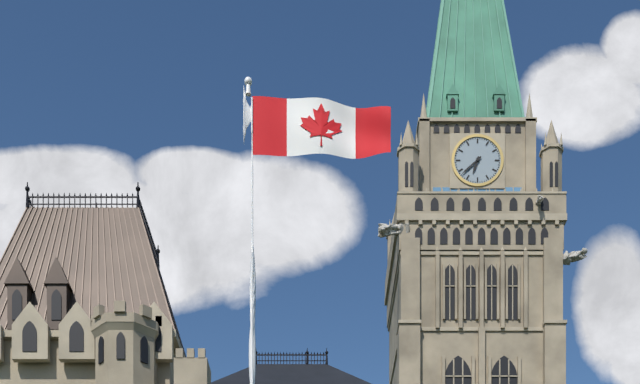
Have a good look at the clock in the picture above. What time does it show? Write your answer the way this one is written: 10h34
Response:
6h38
